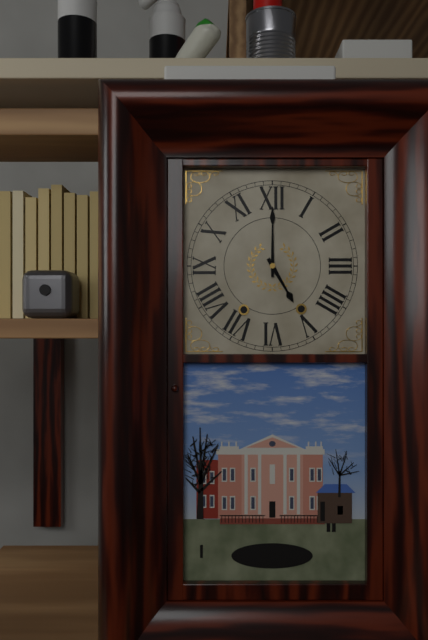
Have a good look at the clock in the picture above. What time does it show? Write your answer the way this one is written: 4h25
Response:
5h00
